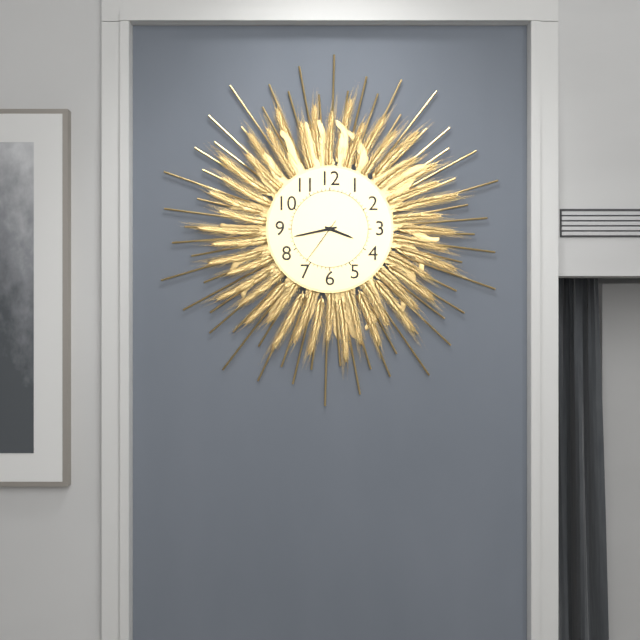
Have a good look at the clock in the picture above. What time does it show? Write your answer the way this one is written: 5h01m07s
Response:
3h43m36s
